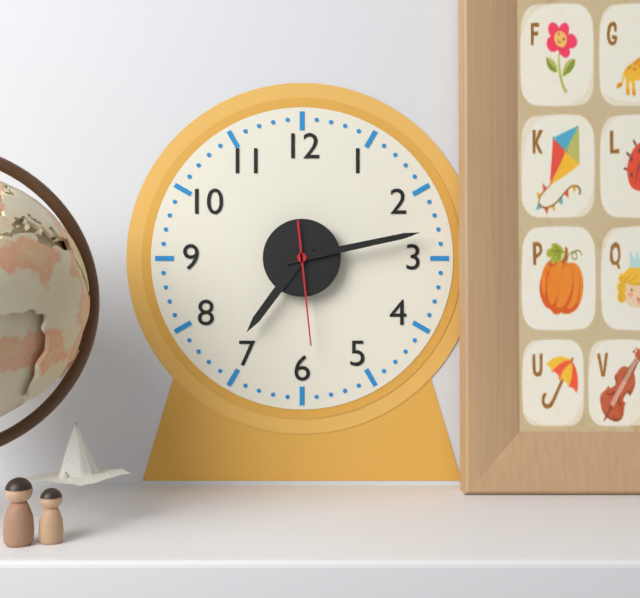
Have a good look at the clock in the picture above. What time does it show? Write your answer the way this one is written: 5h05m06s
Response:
7h13m29s
